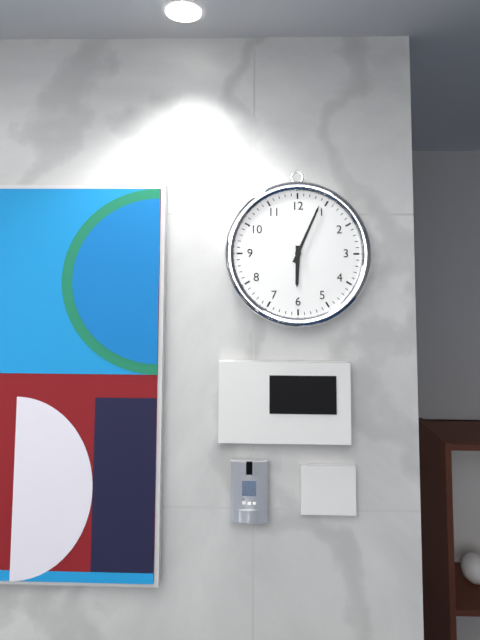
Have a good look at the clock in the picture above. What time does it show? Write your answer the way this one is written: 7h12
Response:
6h04
